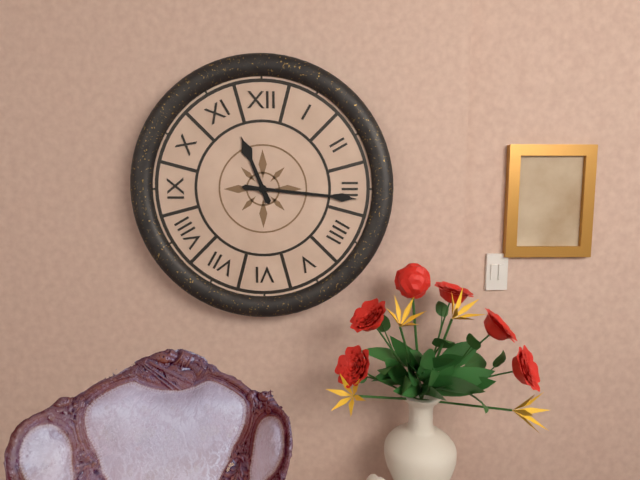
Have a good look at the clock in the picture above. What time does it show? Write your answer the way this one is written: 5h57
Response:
11h16
